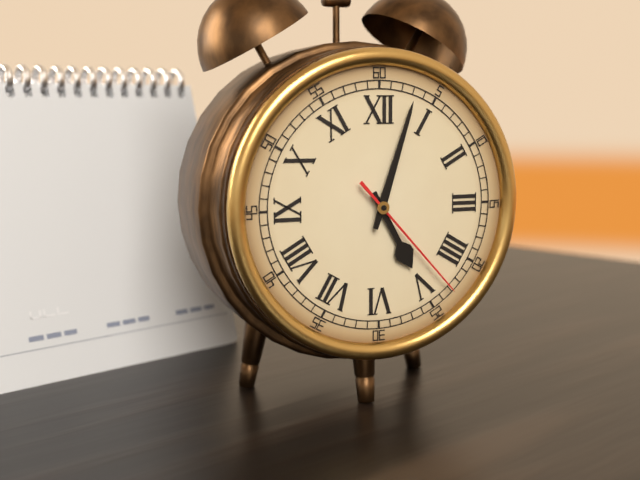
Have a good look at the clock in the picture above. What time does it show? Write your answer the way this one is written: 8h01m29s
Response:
5h03m23s
